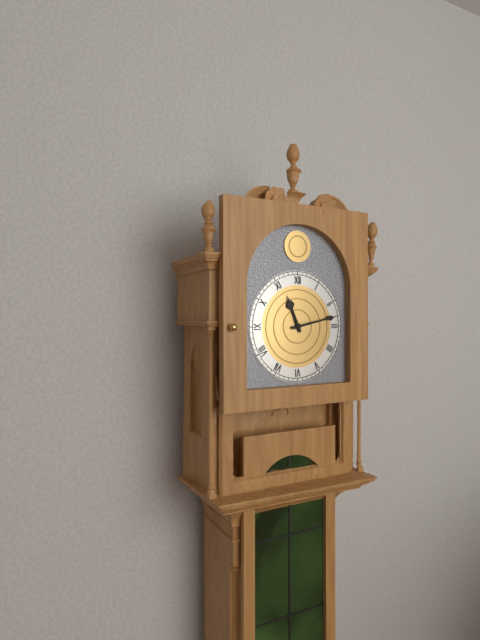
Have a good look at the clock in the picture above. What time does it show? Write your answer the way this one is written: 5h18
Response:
11h13
